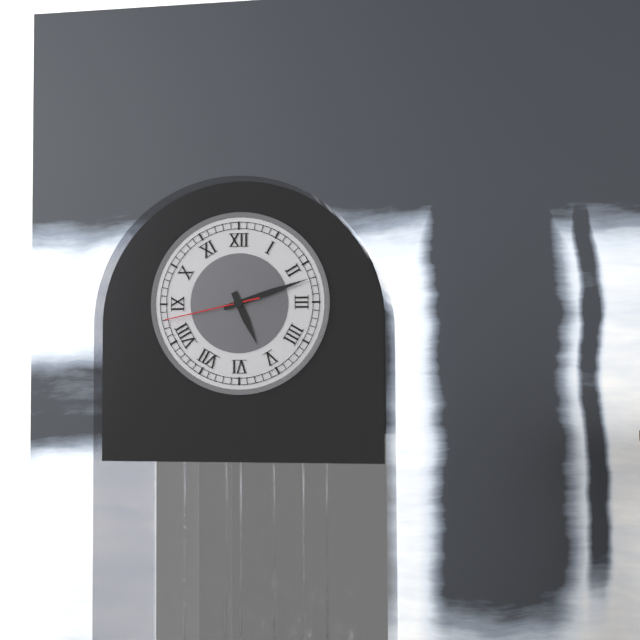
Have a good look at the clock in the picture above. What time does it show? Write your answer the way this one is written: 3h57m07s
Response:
5h12m43s
